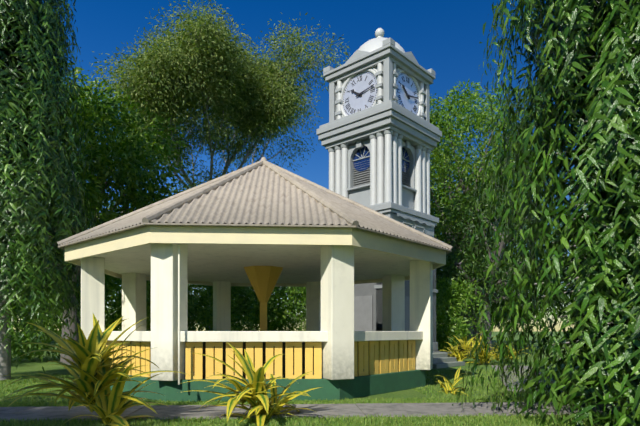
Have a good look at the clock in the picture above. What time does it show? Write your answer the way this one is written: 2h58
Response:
10h13
